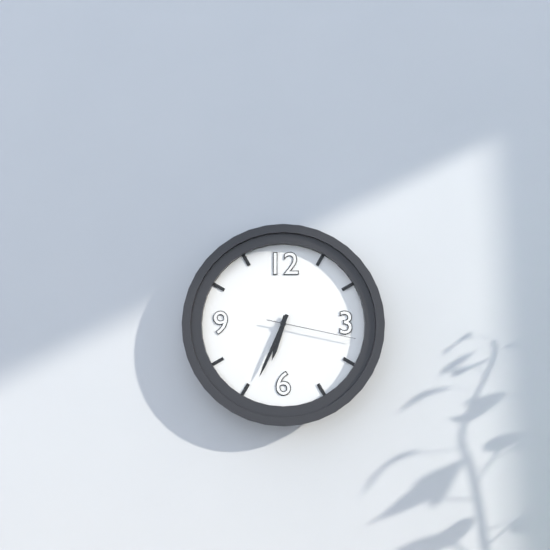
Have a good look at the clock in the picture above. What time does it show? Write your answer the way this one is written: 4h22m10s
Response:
6h34m17s
